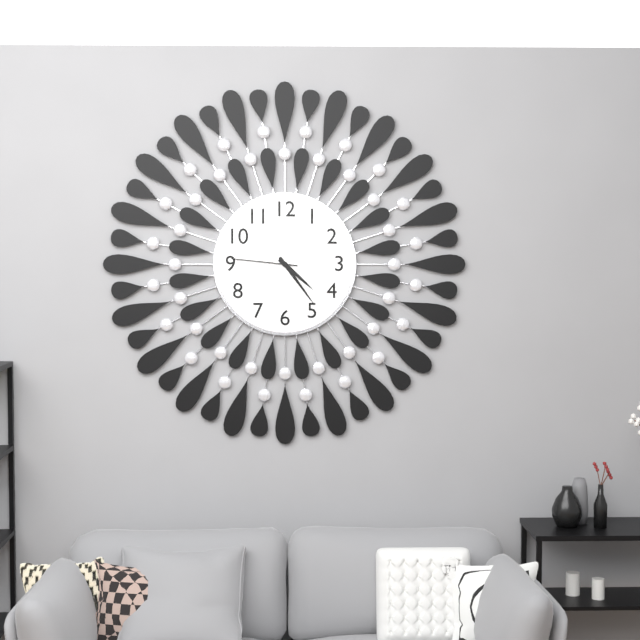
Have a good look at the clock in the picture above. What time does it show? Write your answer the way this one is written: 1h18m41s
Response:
4h24m46s
